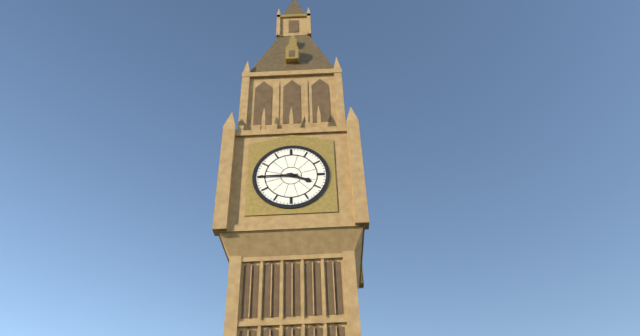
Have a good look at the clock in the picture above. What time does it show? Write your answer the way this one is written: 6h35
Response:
3h45
